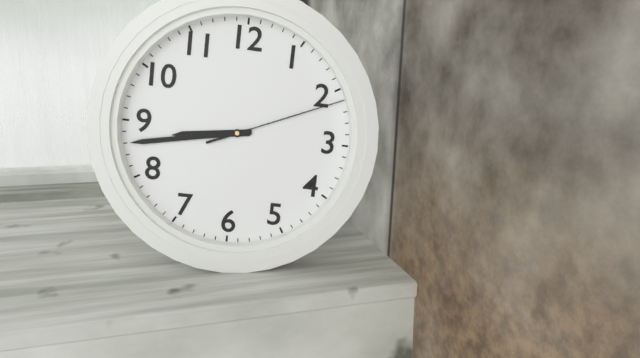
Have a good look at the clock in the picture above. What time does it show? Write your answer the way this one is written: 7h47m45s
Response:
8h43m11s
